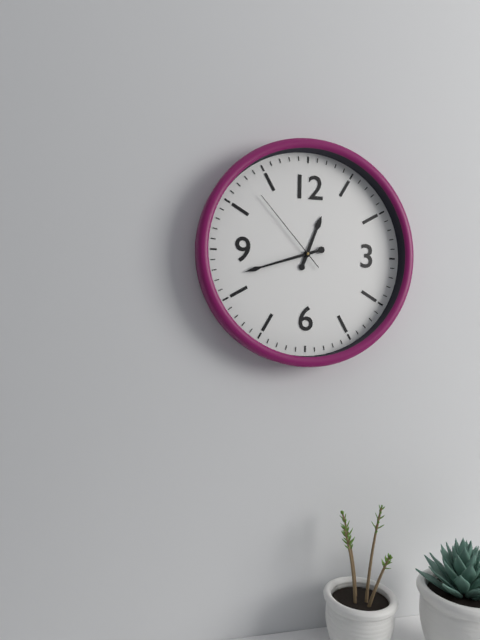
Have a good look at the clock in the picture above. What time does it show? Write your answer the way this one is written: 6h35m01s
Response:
12h42m53s
